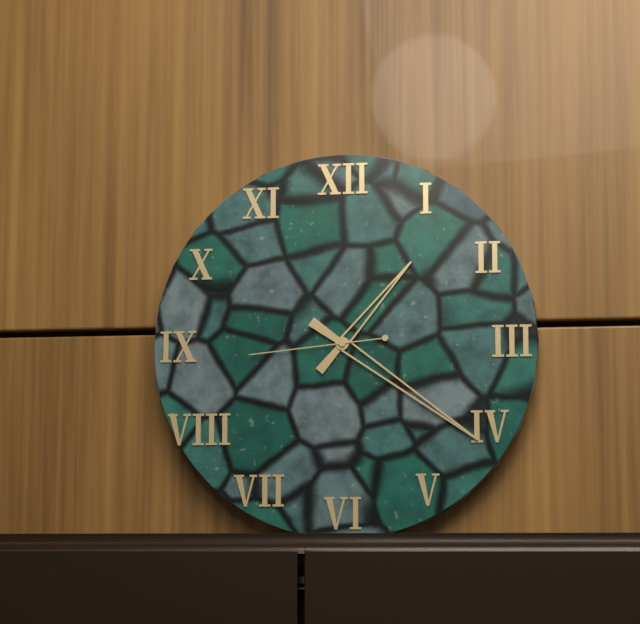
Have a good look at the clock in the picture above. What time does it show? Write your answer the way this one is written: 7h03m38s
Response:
1h21m44s
